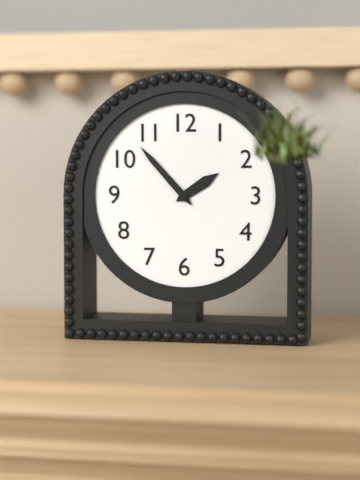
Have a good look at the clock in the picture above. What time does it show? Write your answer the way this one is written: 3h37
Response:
1h53
